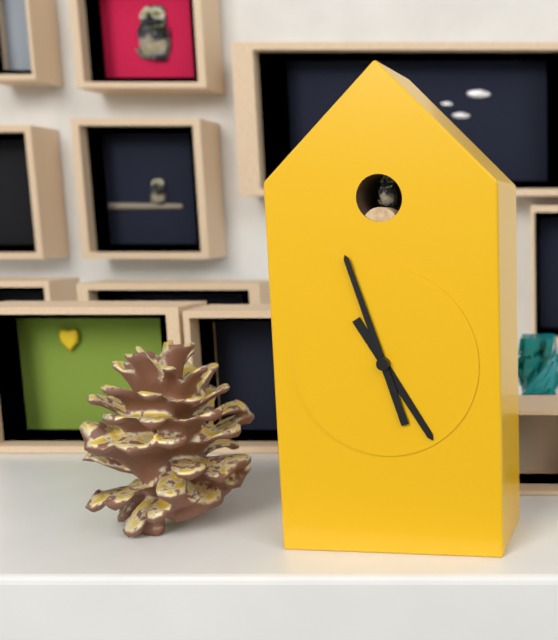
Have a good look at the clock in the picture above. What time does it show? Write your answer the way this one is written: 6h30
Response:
4h57
